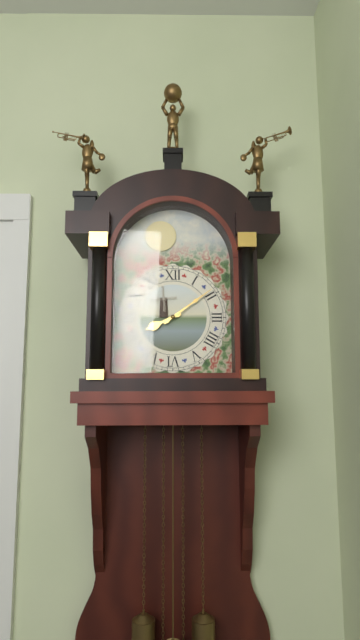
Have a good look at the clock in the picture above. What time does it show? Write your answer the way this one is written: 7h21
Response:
8h09
